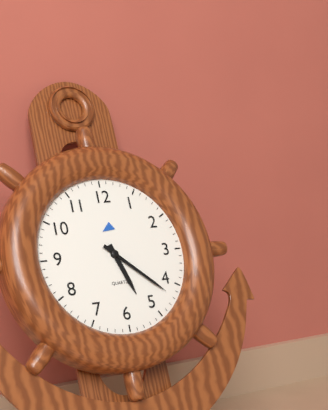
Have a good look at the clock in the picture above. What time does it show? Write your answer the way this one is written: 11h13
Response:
5h22
